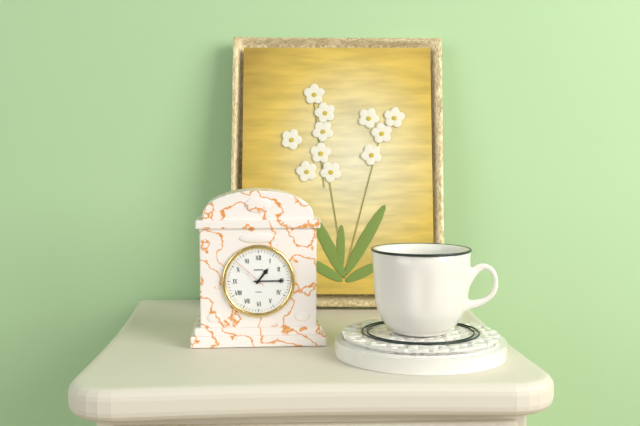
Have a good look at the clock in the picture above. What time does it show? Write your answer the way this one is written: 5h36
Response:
1h15
